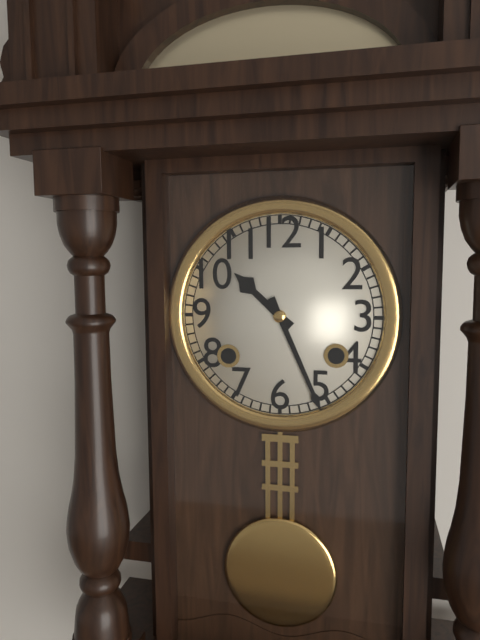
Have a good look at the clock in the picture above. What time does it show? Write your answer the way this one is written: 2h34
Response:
10h26
